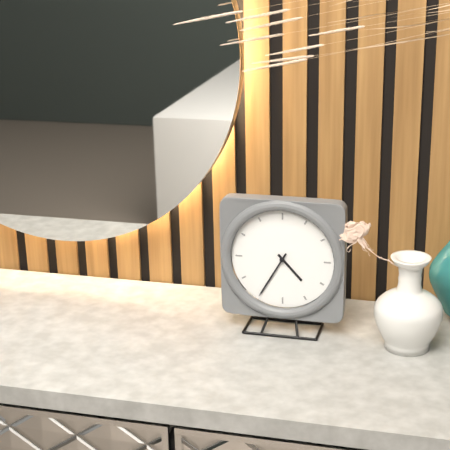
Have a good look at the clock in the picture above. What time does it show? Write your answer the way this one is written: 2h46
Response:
4h35
